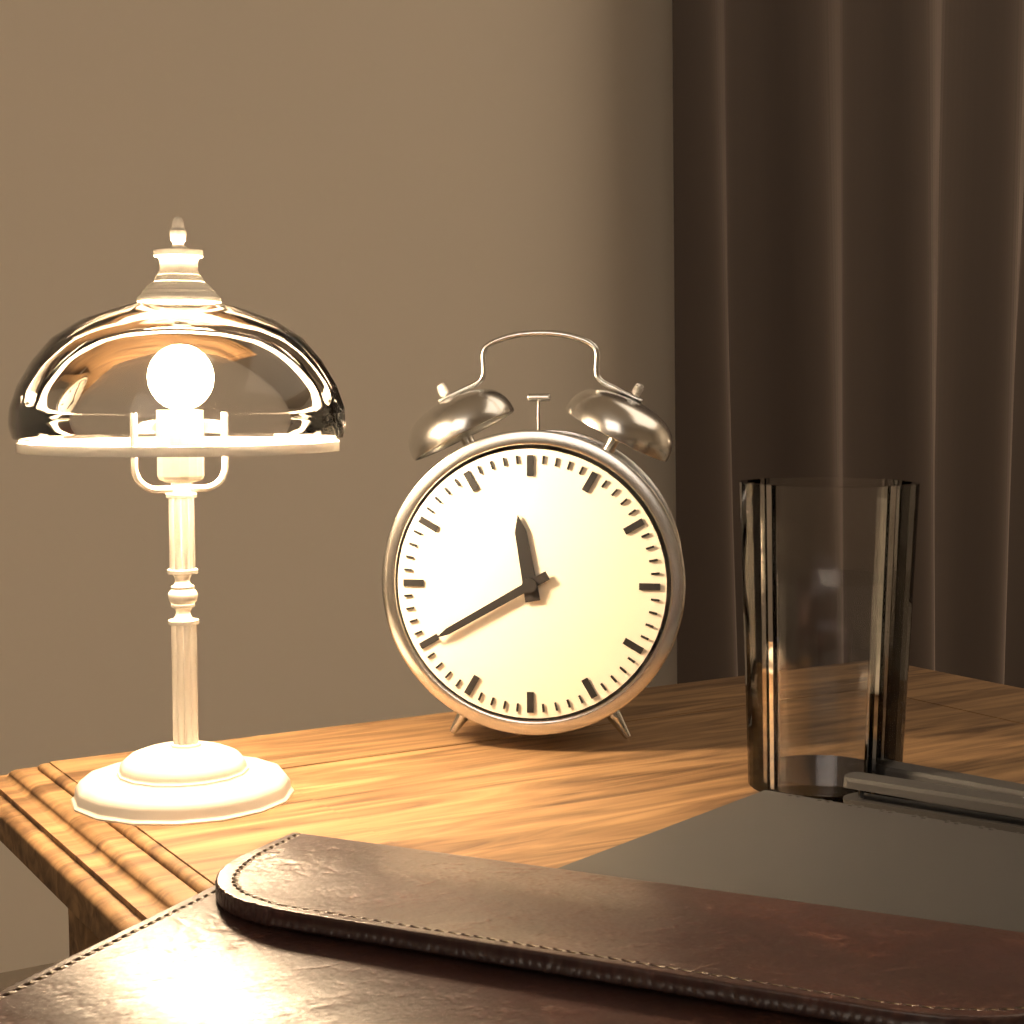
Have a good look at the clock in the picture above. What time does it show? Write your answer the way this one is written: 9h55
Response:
11h40
